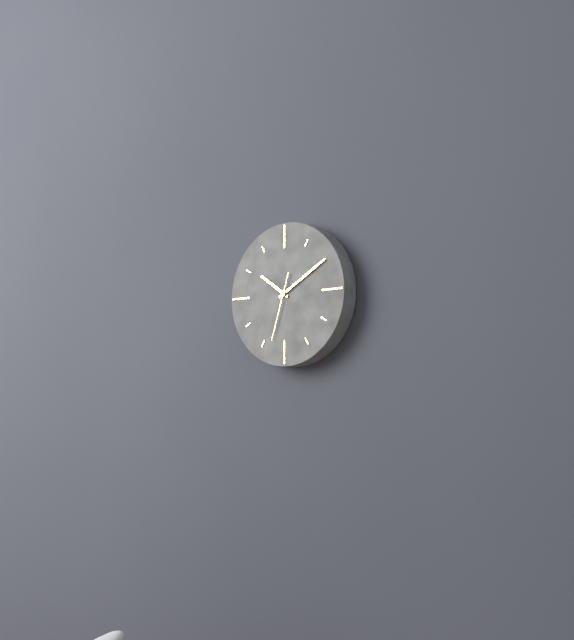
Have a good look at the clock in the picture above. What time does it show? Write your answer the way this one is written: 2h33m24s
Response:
10h10m33s
